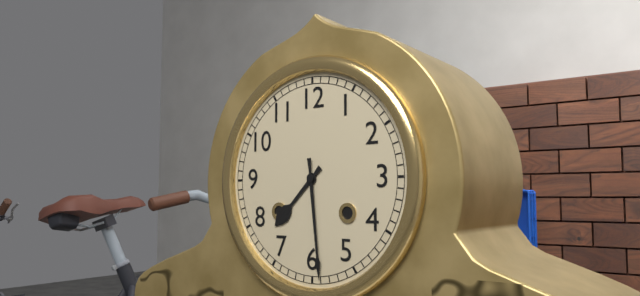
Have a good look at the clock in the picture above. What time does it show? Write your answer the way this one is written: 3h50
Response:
7h29
